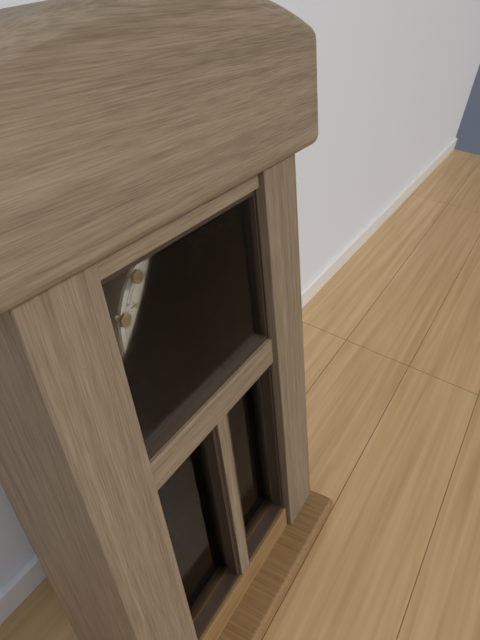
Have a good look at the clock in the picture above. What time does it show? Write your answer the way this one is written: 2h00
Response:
7h02
